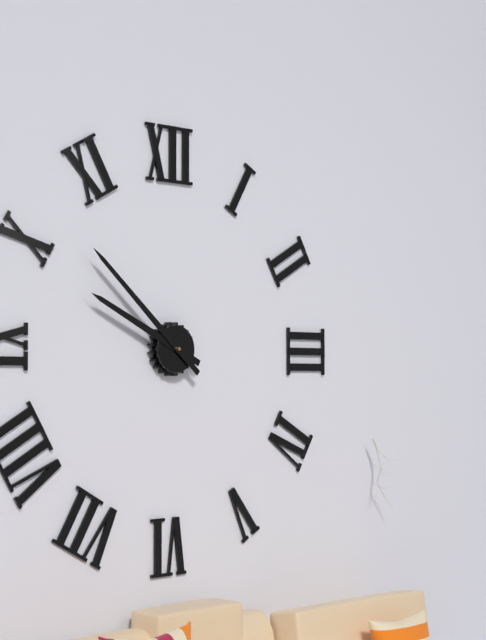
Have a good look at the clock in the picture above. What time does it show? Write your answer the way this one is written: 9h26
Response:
9h52
